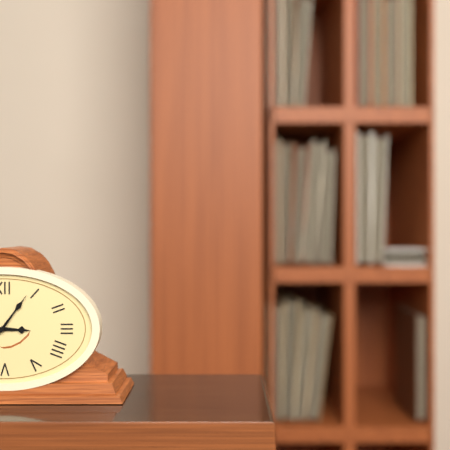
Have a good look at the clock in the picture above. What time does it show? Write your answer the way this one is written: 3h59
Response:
3h06
